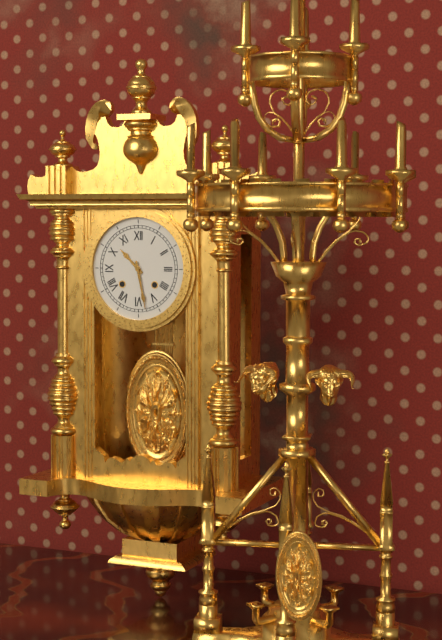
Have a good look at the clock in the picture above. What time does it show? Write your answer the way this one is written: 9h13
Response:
10h28
